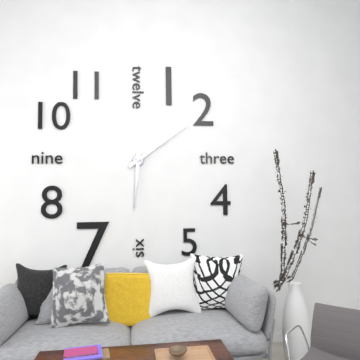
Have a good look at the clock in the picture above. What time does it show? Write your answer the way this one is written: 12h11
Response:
6h09
